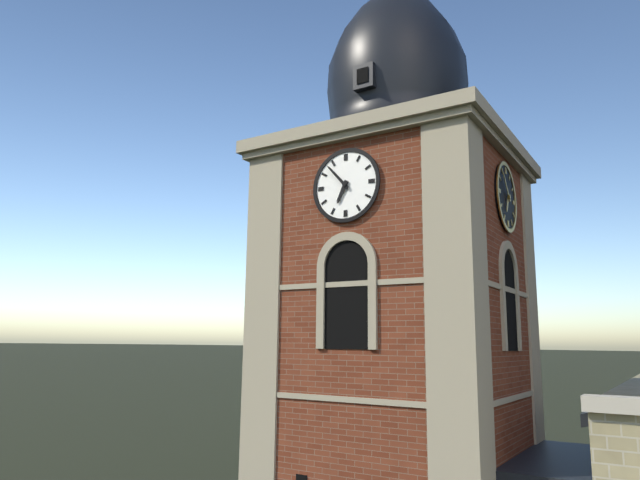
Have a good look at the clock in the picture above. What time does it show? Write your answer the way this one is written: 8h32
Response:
6h53
